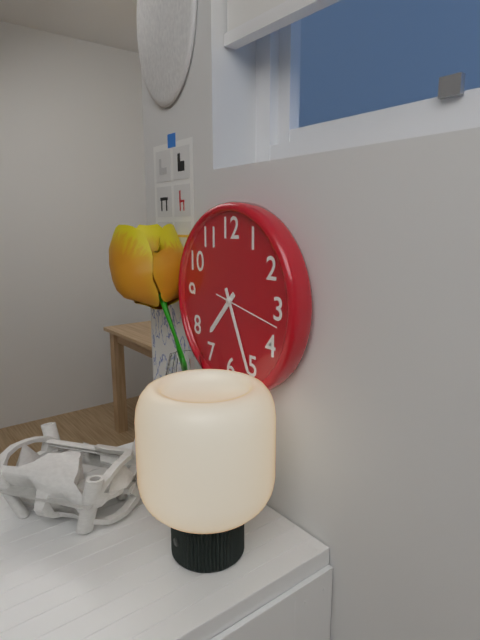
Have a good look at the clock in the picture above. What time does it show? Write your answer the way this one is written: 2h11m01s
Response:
7h26m17s
